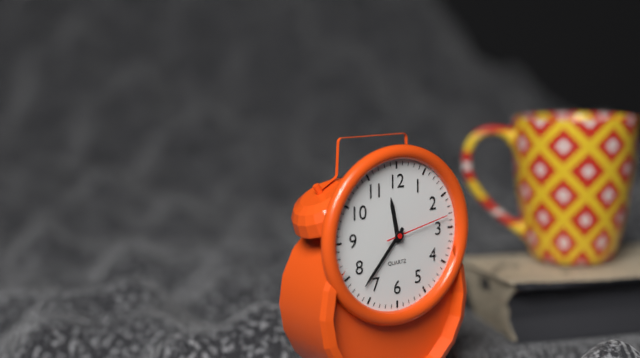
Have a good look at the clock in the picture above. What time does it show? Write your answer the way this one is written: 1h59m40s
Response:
11h37m13s
